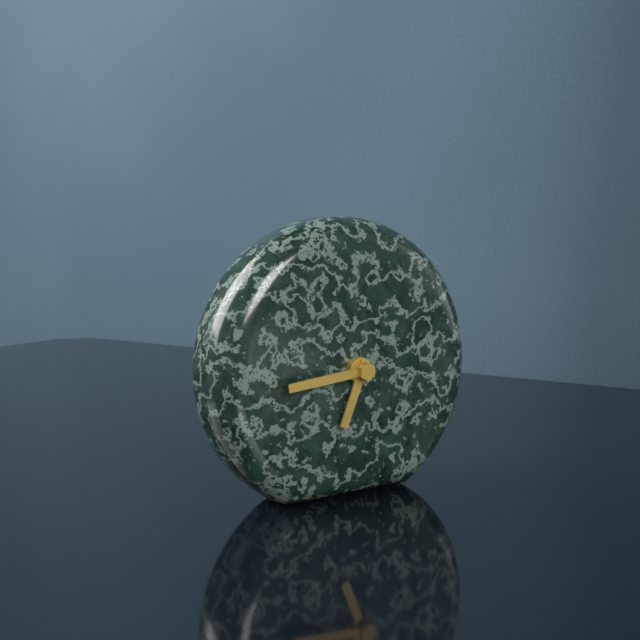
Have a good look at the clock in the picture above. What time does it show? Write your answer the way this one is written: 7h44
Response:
6h44
